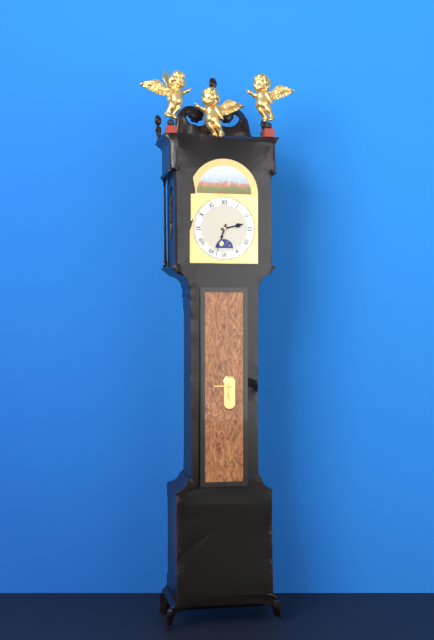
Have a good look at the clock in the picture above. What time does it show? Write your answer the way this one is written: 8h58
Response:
2h33
